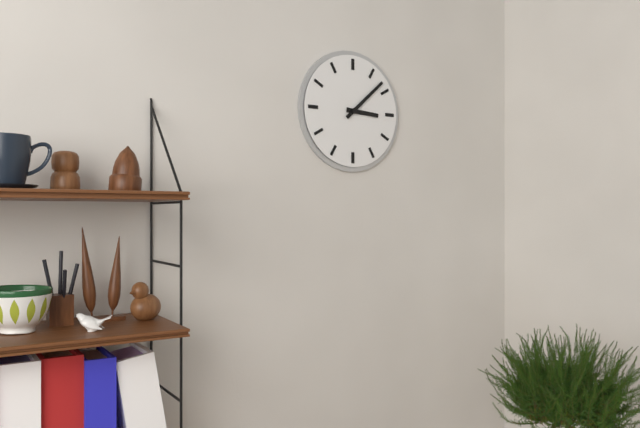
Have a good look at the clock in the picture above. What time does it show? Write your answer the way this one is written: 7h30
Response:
3h08
